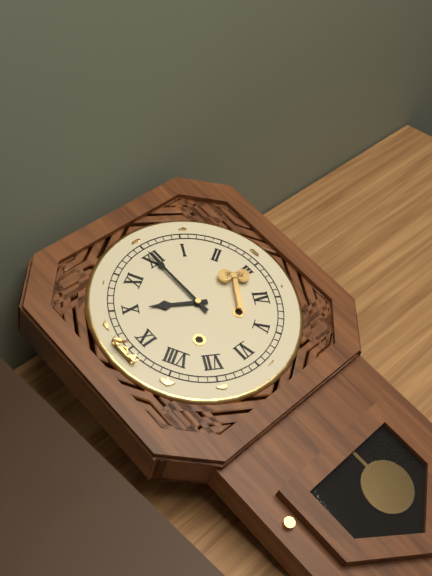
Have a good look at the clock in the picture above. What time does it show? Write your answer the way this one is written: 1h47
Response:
10h00
